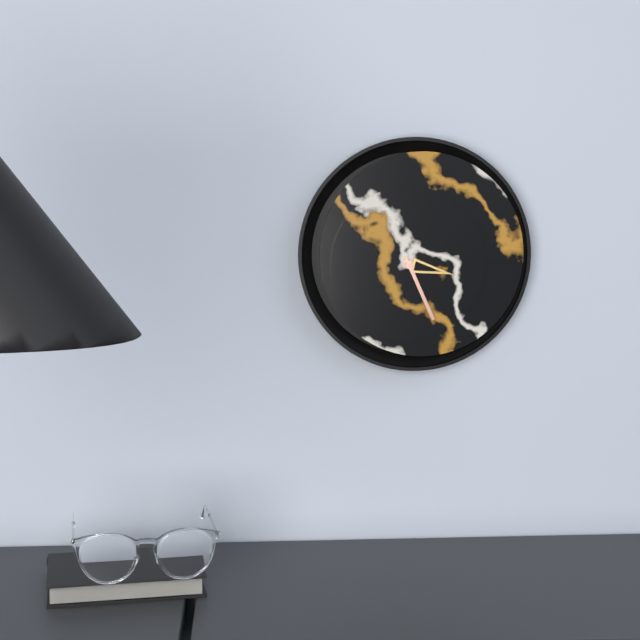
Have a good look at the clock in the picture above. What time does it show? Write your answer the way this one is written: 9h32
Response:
3h26
